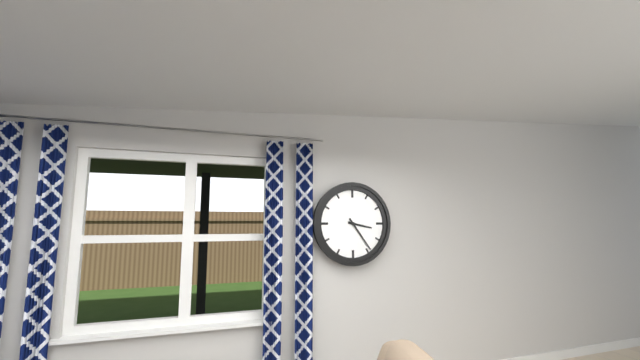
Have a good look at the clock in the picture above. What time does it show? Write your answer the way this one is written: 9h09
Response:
3h24
